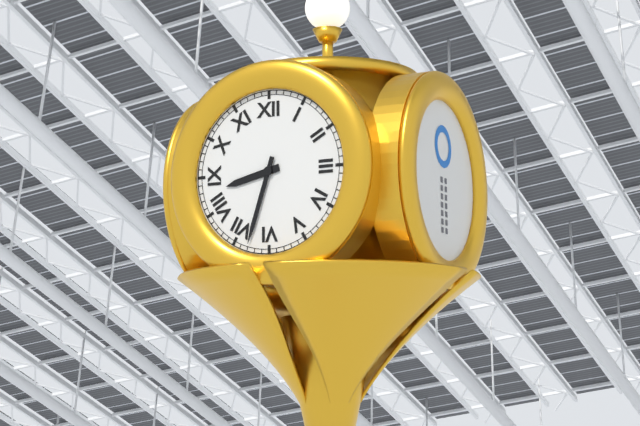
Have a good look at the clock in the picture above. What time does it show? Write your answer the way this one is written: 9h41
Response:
8h33
